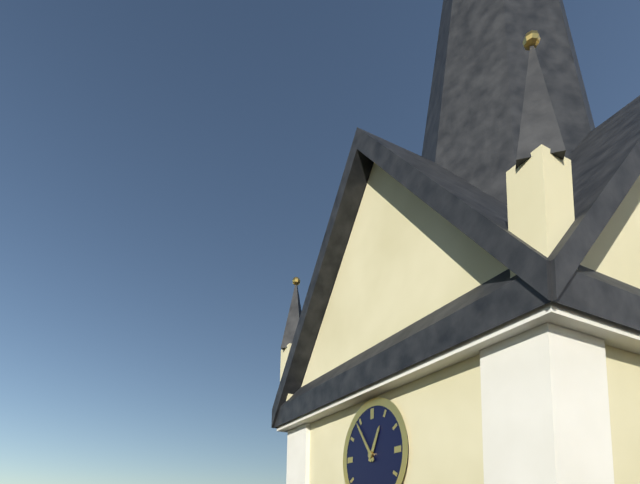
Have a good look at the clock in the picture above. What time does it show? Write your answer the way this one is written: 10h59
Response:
12h54
